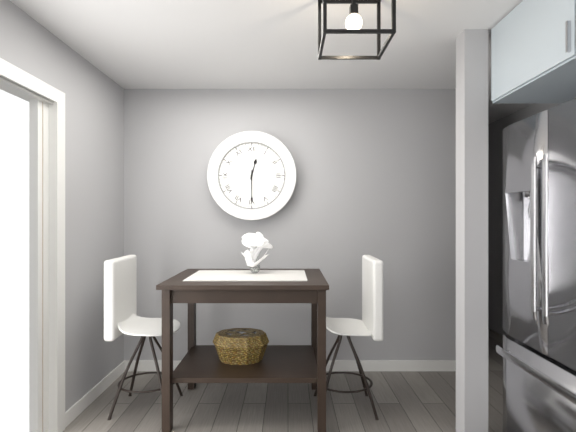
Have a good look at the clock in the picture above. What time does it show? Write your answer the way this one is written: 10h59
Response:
12h30
